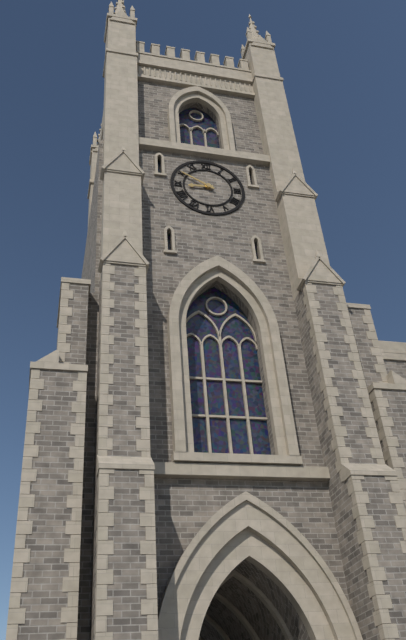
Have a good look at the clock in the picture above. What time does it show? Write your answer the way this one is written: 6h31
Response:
8h50
